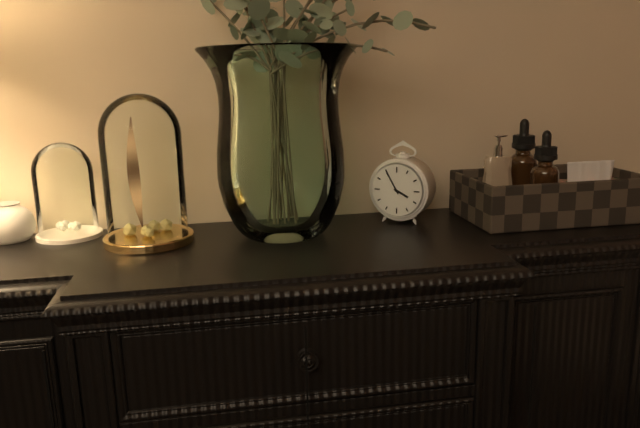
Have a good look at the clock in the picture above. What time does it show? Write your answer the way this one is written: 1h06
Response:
3h55
